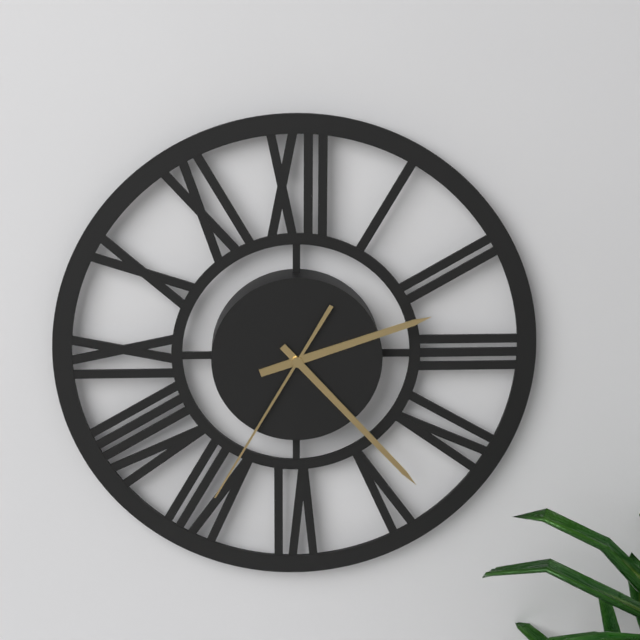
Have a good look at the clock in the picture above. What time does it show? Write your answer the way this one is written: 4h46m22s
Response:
2h23m35s
